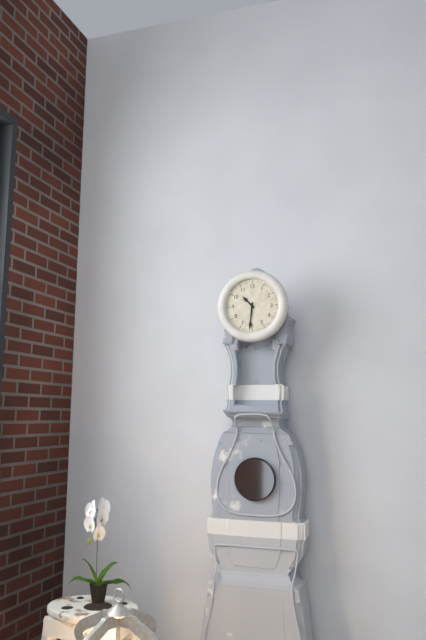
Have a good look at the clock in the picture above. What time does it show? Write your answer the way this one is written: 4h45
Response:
10h31
